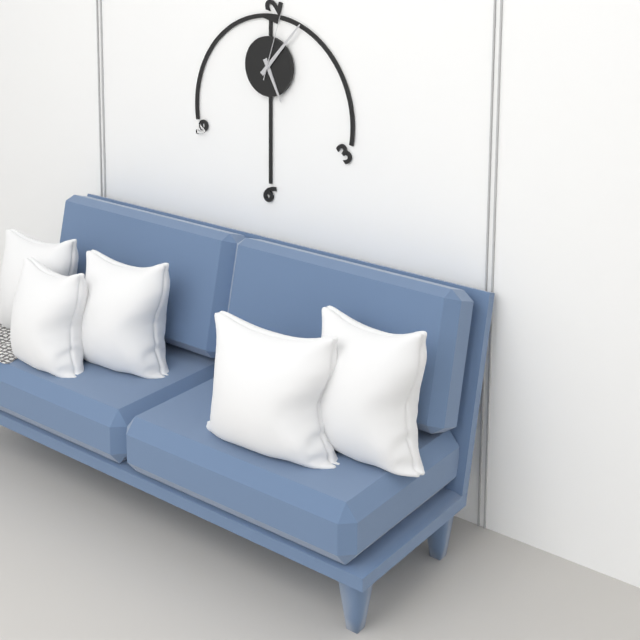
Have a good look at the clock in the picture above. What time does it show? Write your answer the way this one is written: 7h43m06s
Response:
5h07m03s
